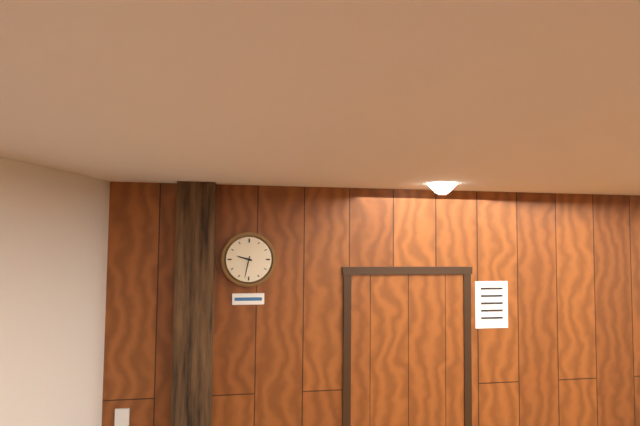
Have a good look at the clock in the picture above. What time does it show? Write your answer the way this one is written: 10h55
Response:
9h32
